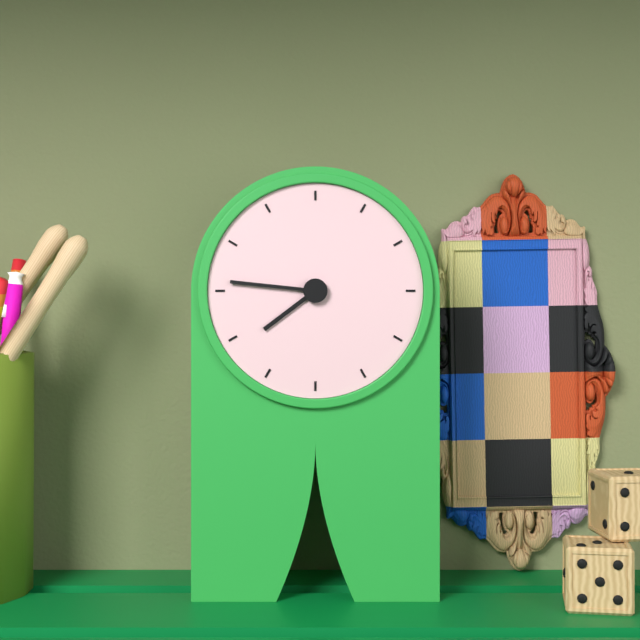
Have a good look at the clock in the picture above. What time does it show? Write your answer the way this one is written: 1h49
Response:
7h46
